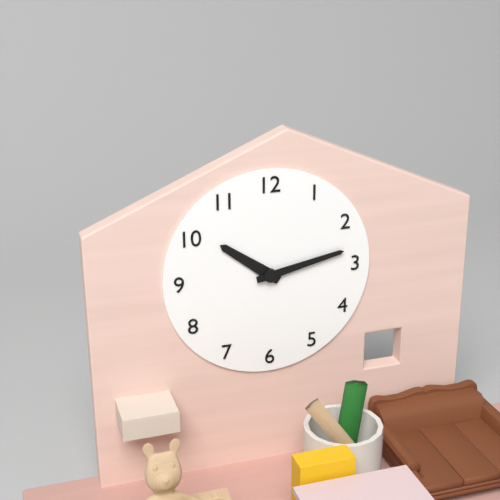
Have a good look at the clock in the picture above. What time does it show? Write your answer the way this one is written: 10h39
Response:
10h13
